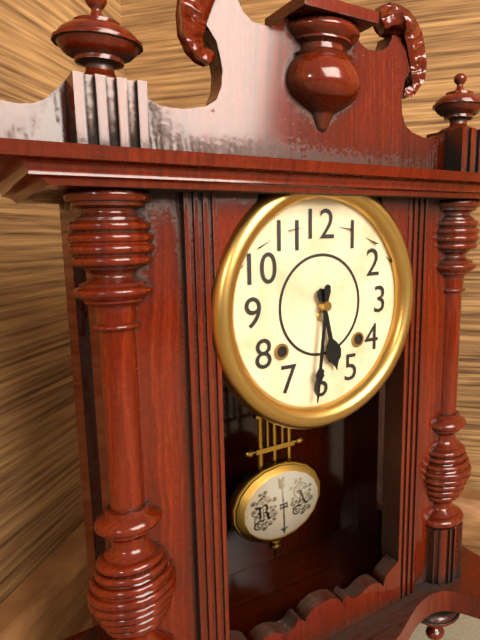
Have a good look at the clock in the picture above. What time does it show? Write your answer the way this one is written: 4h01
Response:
5h31
